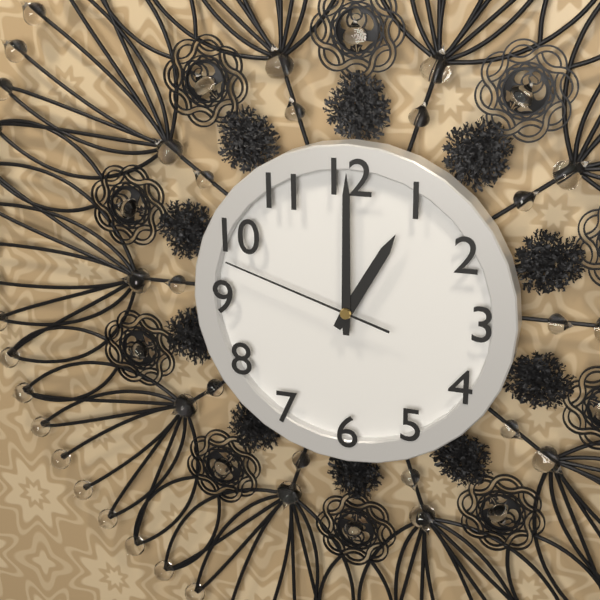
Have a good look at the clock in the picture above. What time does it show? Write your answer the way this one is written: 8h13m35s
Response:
1h00m48s
